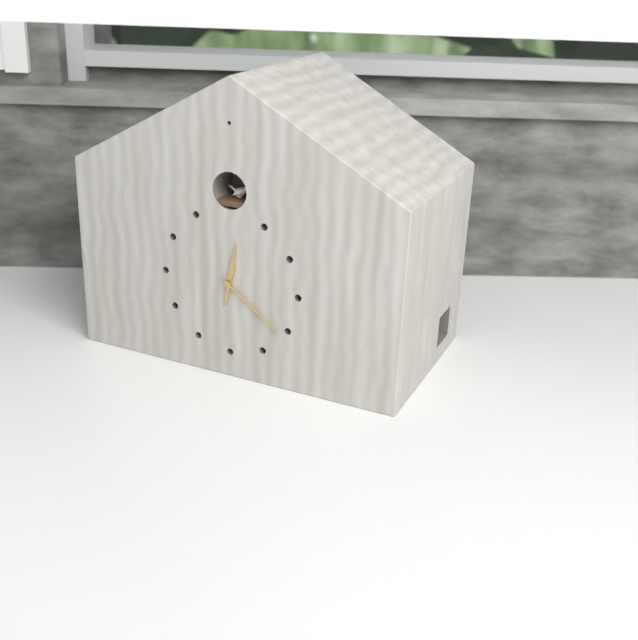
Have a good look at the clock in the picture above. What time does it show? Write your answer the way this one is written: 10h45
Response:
12h21
